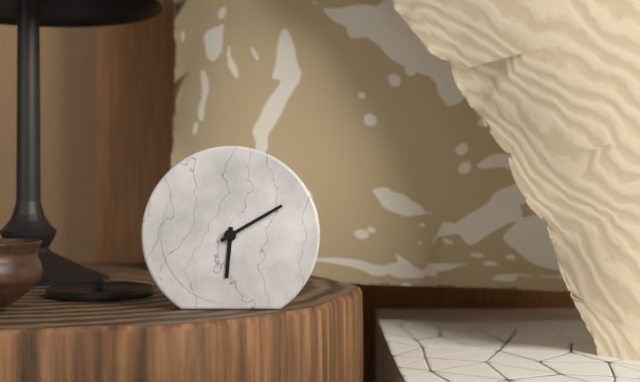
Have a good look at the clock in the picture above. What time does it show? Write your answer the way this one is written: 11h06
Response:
6h10
